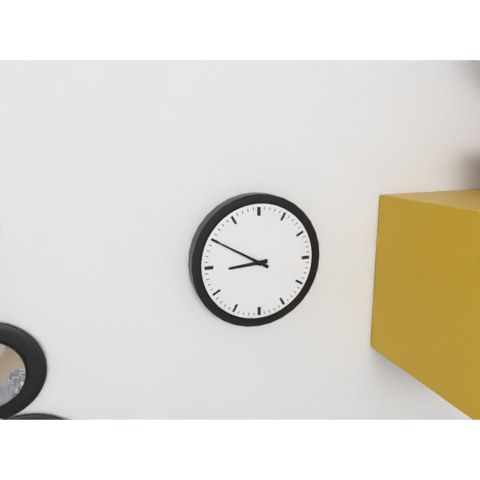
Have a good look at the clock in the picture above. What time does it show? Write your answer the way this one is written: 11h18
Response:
8h50
